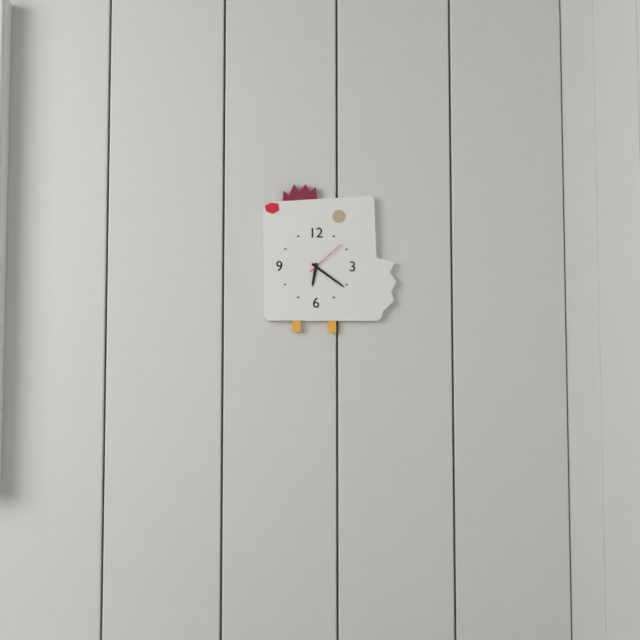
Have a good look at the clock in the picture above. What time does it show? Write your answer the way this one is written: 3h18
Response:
6h21
